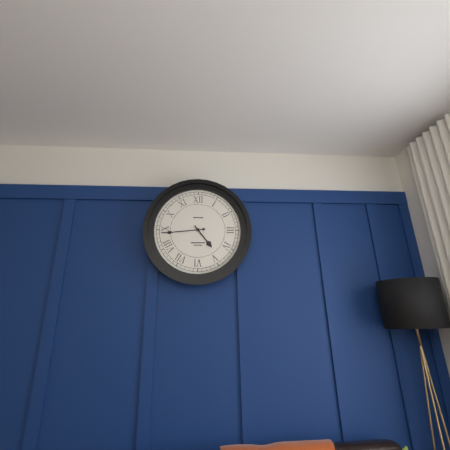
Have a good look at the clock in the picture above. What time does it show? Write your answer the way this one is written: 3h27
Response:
4h44
